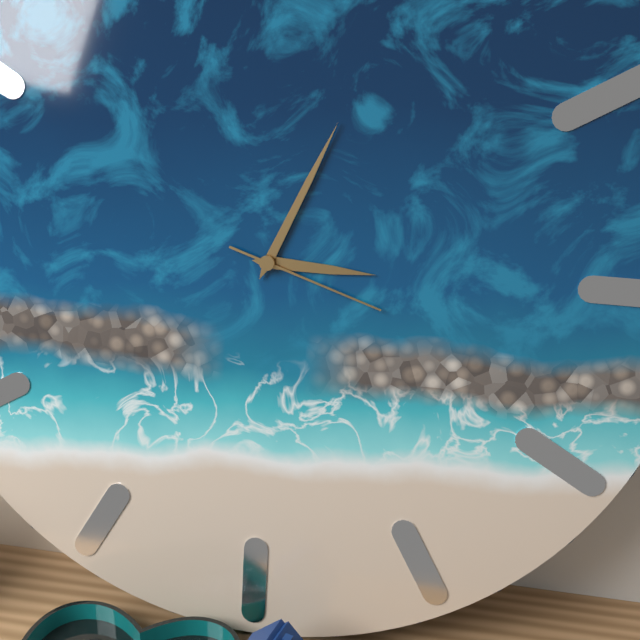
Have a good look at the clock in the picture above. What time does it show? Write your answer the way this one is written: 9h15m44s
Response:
3h04m18s
